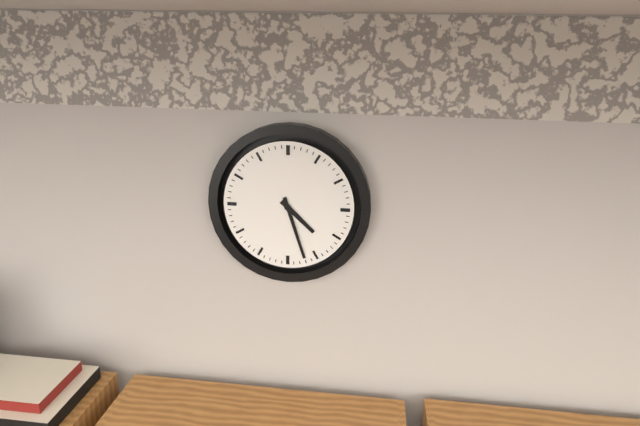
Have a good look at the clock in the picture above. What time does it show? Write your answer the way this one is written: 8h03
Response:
4h27
